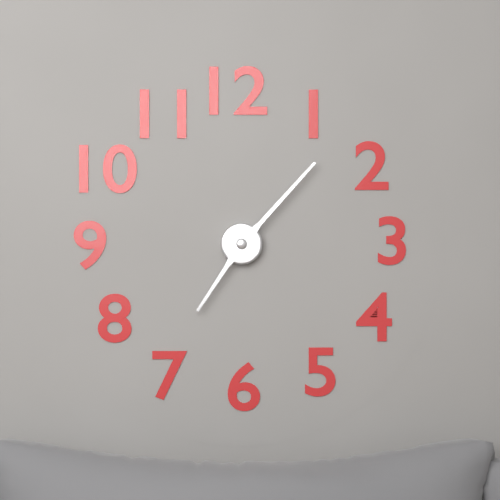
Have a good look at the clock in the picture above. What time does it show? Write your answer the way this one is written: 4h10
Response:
7h07
